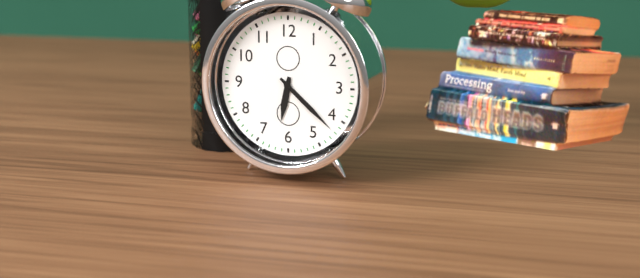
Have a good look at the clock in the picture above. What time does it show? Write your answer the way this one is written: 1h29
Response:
6h22
